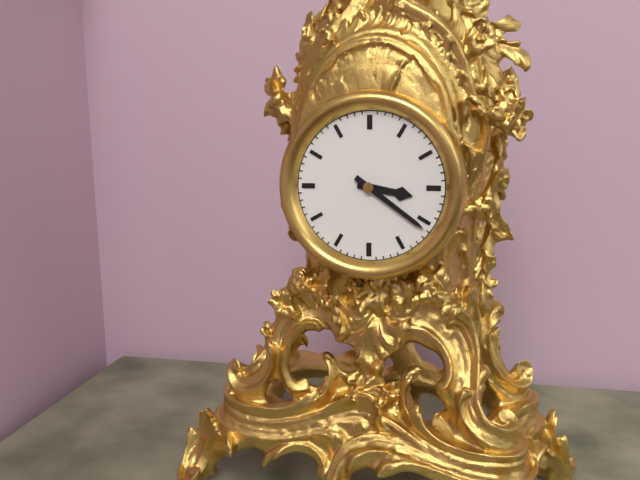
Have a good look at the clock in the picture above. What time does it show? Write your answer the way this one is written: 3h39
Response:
3h21
